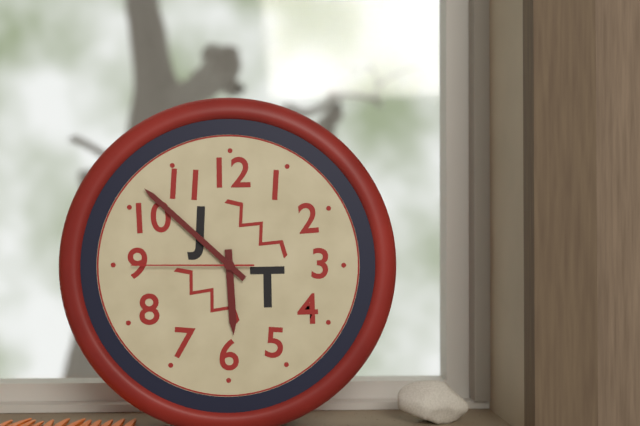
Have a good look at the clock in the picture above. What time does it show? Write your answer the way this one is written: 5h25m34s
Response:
5h52m45s
